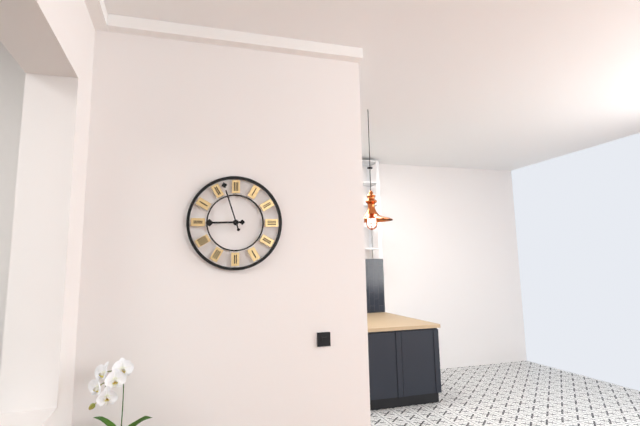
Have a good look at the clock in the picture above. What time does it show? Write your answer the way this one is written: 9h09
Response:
8h57
